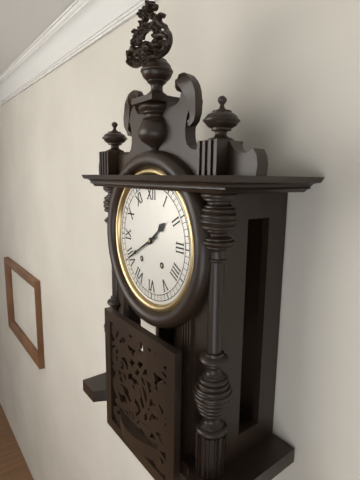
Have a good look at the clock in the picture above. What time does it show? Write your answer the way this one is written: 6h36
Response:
1h40
